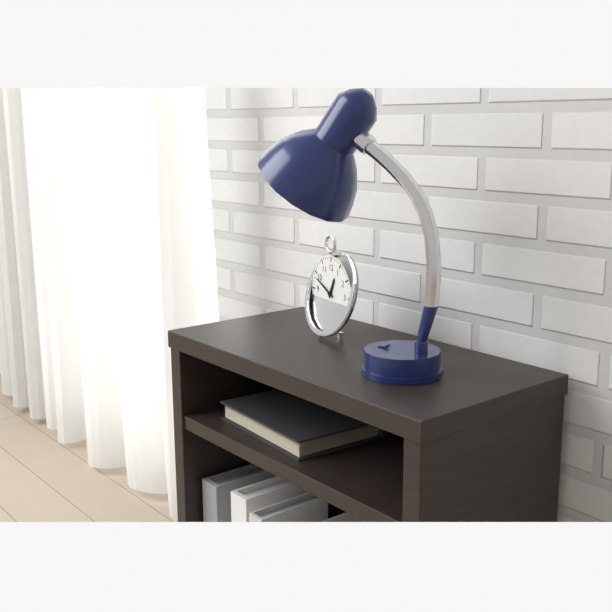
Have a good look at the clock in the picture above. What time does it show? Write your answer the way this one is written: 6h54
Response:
12h49
